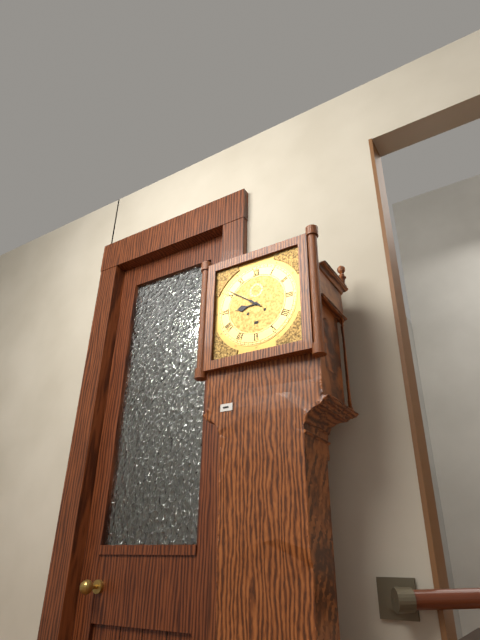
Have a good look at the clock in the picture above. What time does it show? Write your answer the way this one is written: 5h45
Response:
8h51
